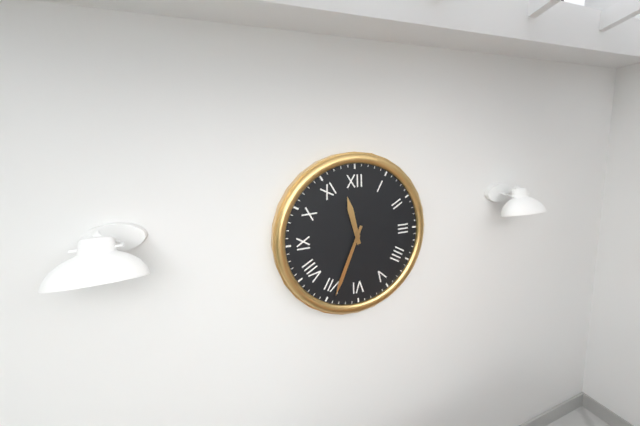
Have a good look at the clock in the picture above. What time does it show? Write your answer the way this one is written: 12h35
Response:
11h34
